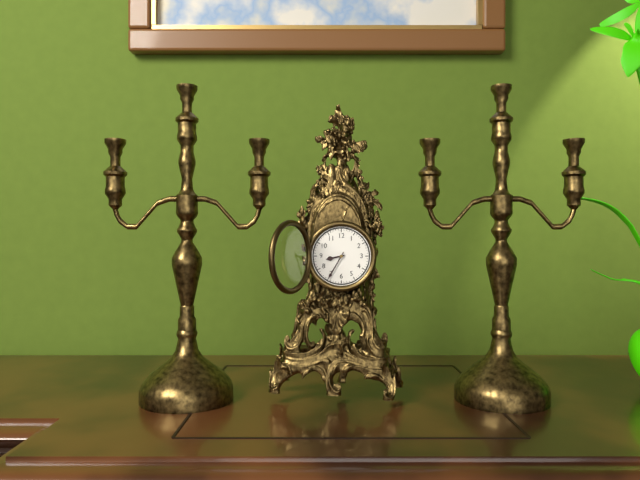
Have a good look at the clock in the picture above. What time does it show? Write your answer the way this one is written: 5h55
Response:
8h35
